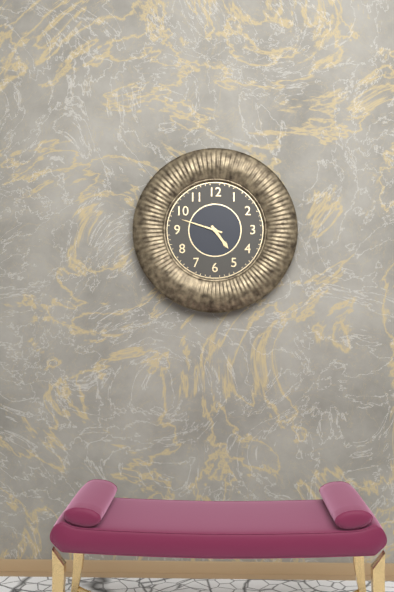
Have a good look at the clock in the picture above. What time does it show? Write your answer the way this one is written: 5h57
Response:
4h48
